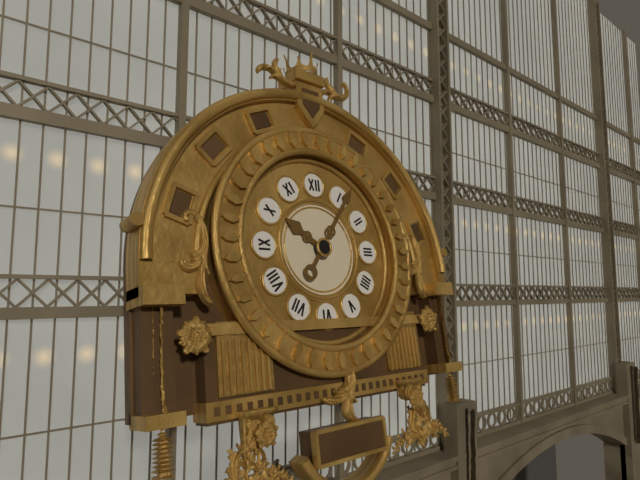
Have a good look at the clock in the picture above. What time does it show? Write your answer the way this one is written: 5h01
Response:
10h06
